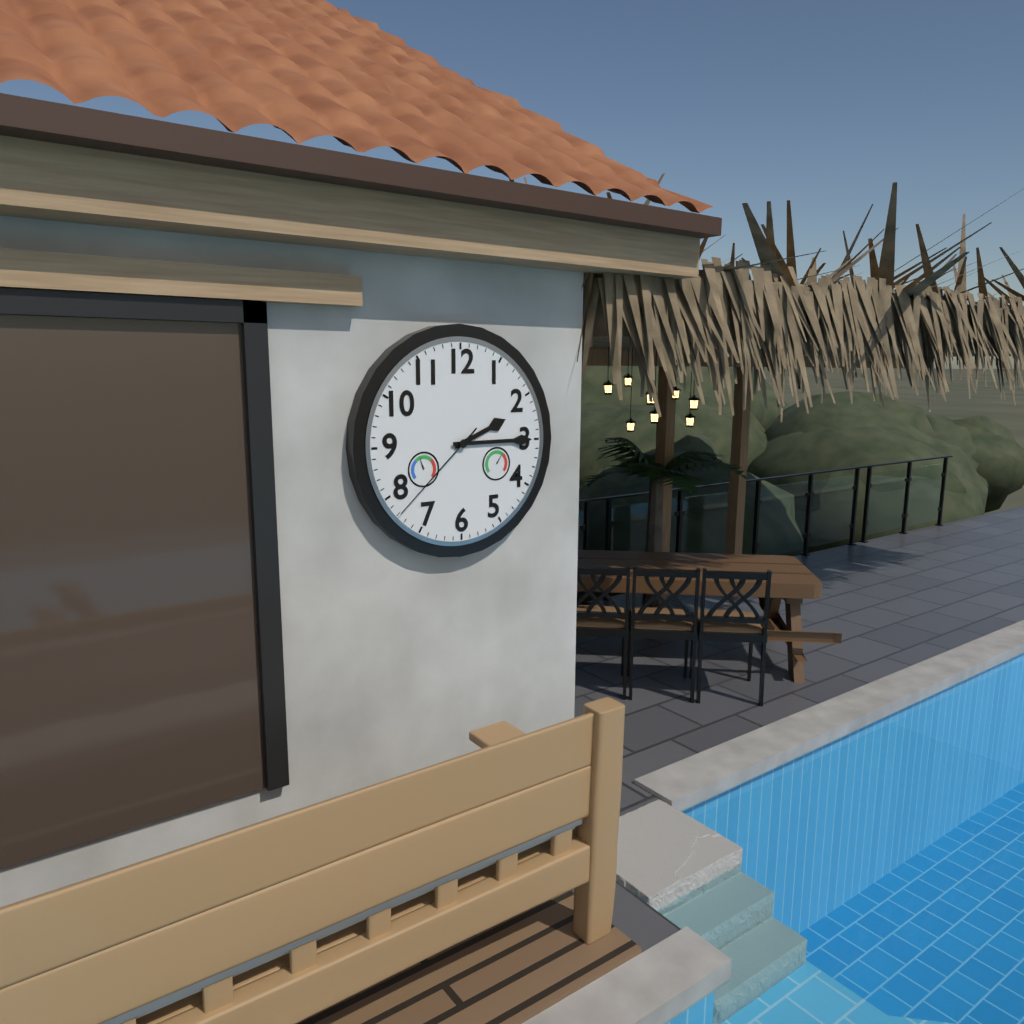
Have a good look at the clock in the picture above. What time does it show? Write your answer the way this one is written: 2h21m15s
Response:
2h15m38s
